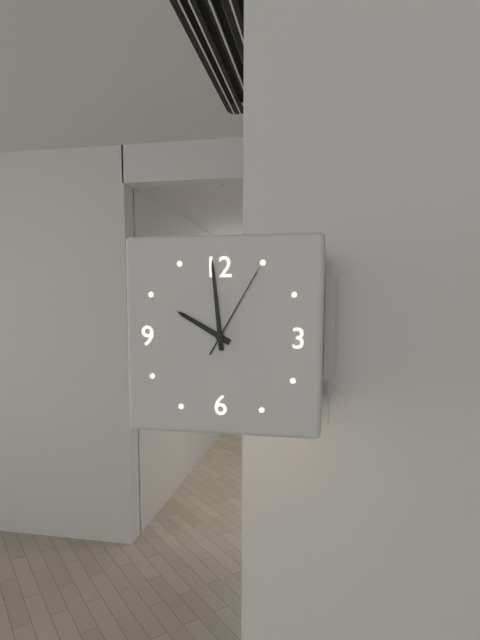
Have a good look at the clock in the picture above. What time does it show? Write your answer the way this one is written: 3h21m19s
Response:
9h59m05s
